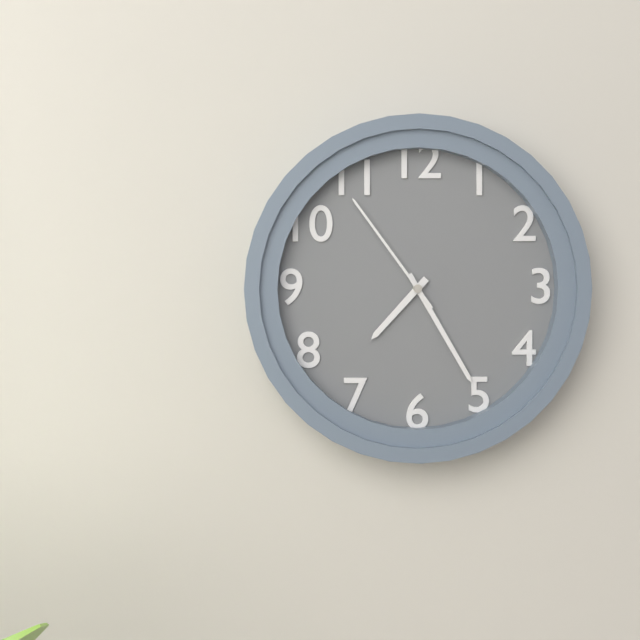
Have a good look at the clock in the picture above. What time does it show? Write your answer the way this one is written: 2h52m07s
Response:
7h25m54s
